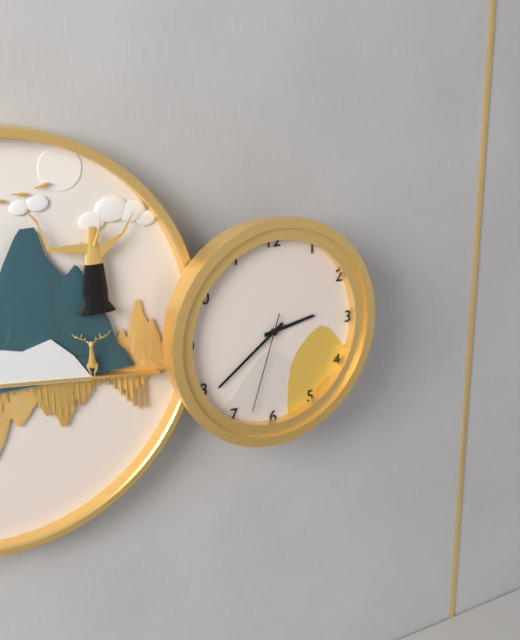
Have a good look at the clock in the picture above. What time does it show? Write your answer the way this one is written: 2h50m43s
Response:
2h39m33s
